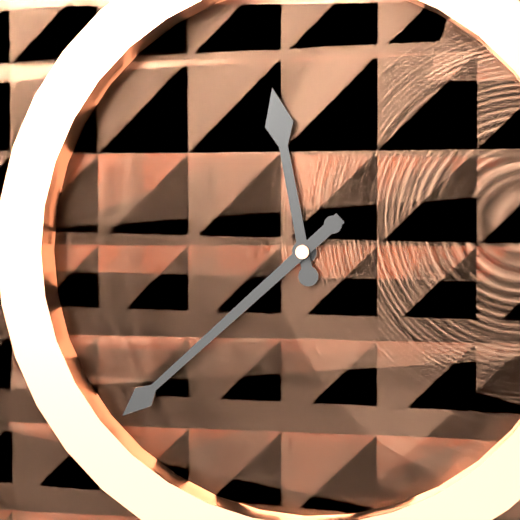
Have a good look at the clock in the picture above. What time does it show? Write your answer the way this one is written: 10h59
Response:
11h38
